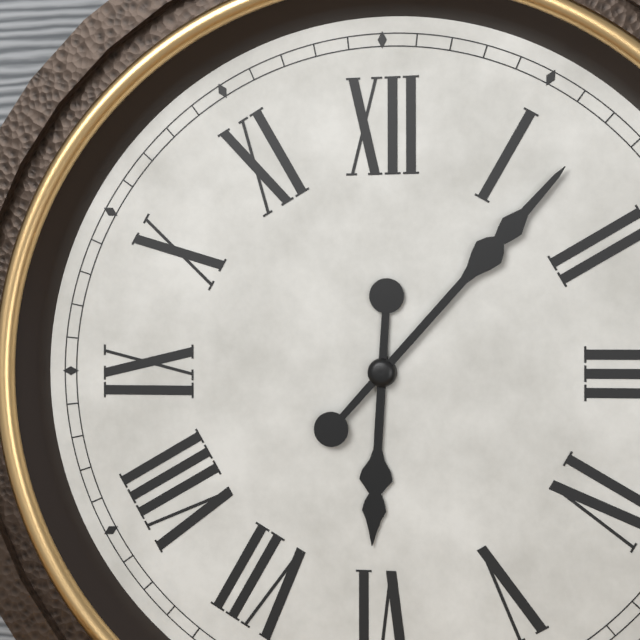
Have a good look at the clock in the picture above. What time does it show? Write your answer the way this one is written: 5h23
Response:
6h07
